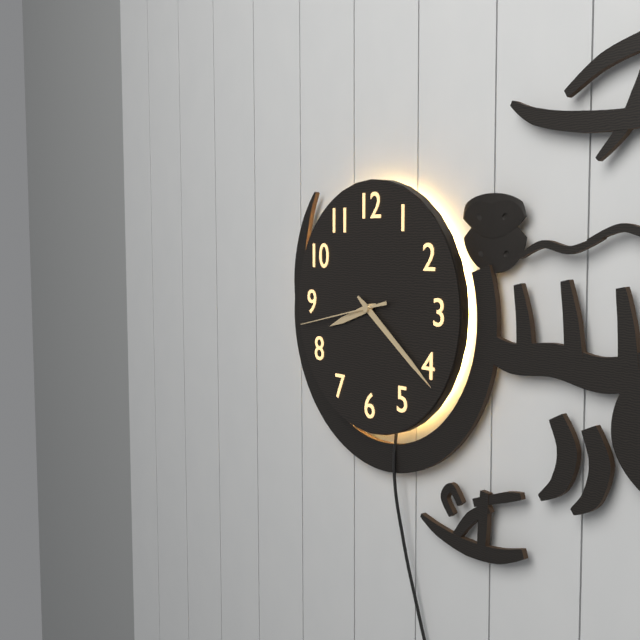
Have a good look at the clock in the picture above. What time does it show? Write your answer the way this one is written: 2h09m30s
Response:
8h21m43s
